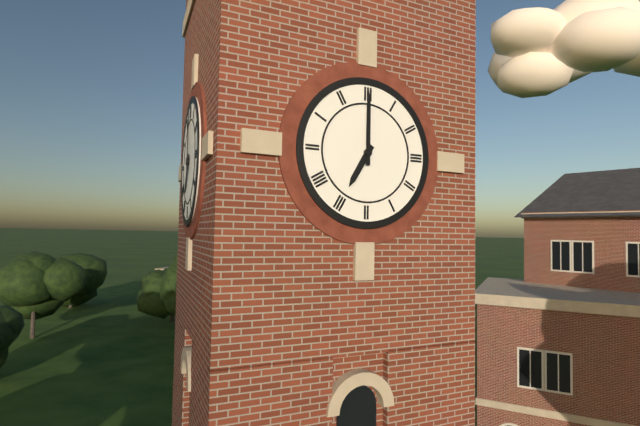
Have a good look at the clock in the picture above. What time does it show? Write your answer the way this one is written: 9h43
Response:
7h00
